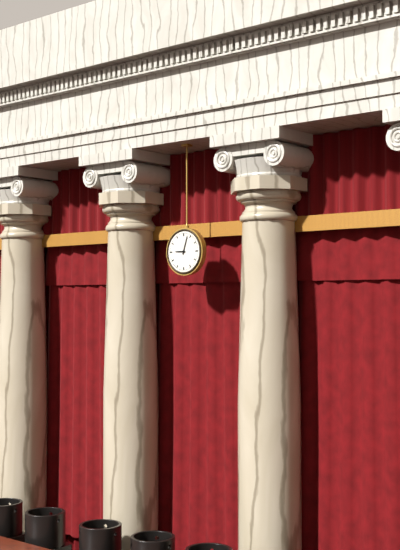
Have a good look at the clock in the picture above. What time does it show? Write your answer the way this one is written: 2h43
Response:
9h03
